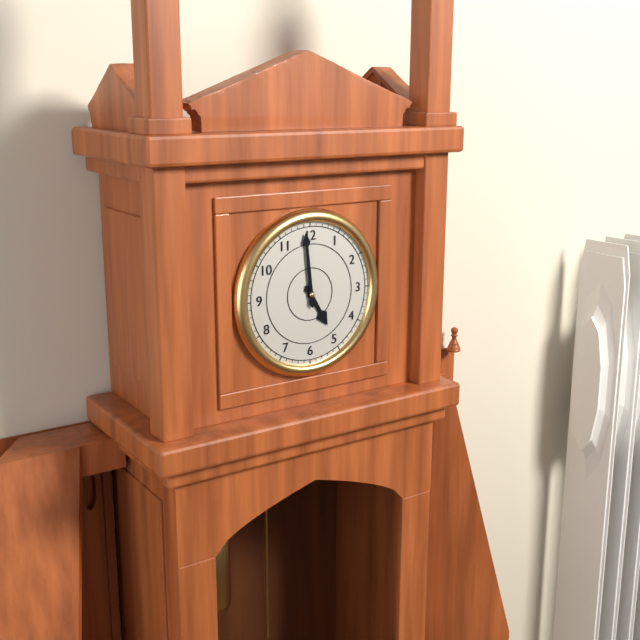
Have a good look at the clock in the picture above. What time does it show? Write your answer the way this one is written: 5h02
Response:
4h59
